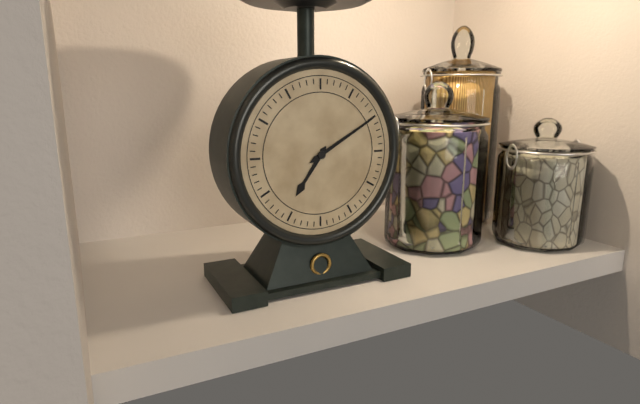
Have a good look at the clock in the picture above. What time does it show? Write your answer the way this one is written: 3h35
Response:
7h10
